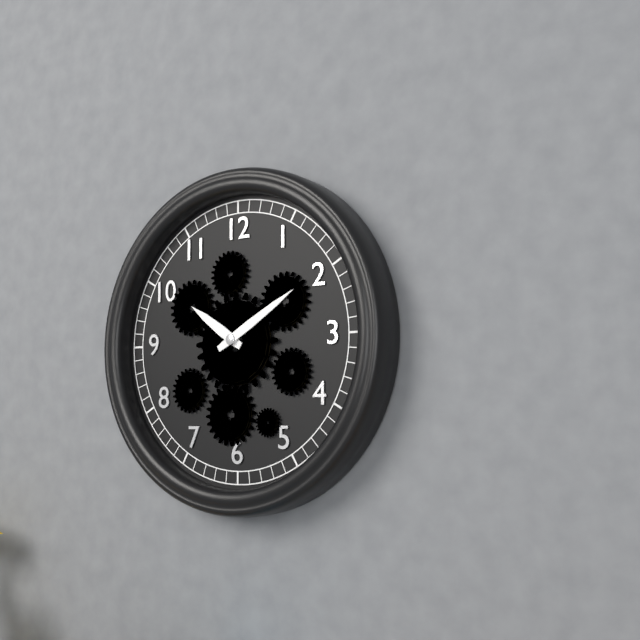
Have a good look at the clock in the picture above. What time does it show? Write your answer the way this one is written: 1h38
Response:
10h10
